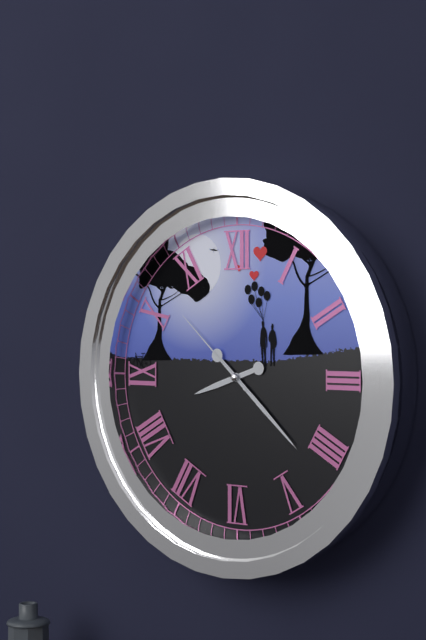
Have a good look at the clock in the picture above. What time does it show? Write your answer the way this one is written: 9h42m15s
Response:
8h22m52s
